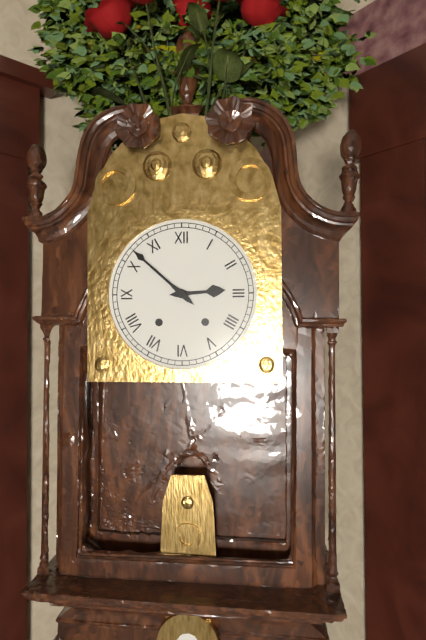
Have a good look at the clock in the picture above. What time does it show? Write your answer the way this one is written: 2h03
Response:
2h52
